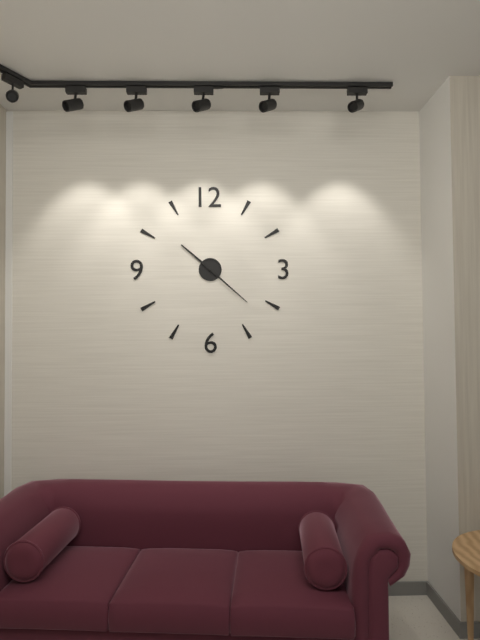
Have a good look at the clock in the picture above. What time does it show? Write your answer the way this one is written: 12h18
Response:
10h22
